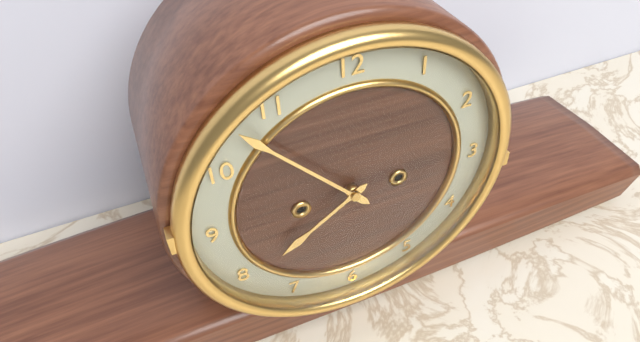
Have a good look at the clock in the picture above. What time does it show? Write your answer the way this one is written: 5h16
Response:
7h53
